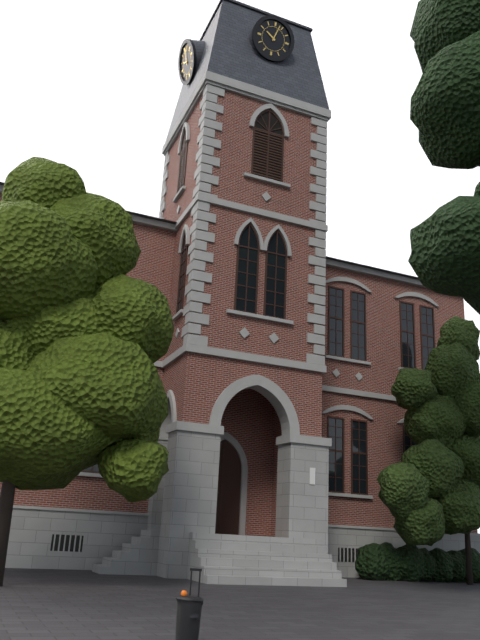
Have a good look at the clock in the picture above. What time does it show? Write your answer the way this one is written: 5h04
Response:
10h03
